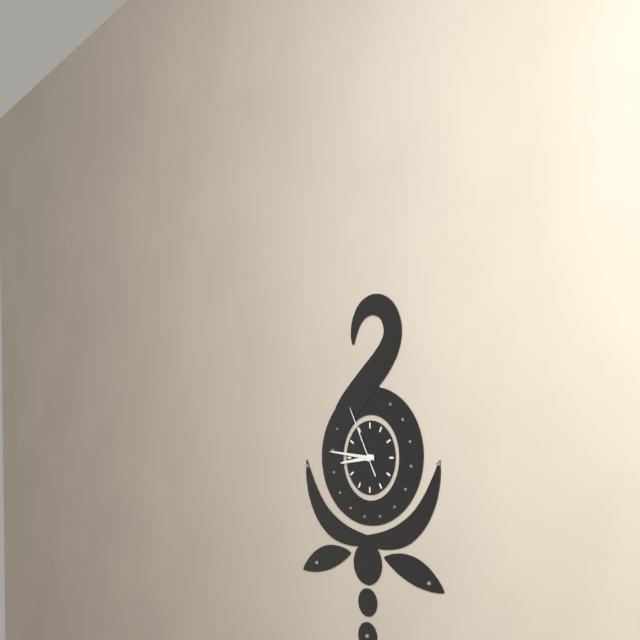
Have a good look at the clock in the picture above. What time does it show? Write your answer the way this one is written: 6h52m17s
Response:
8h46m55s
